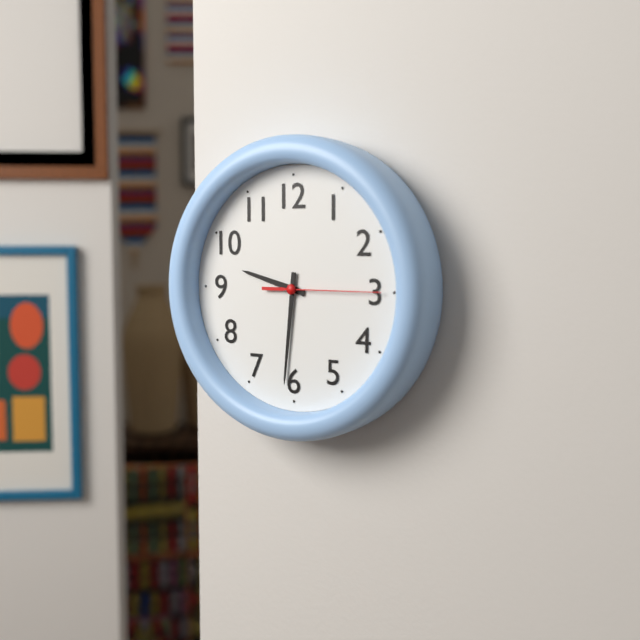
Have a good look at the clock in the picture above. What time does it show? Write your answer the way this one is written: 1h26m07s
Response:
9h31m15s
